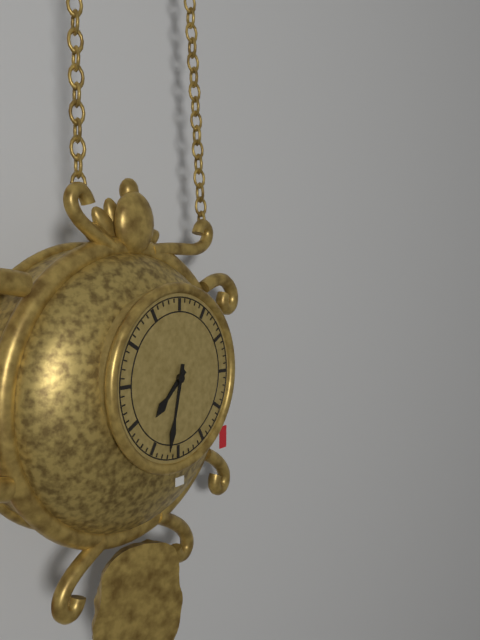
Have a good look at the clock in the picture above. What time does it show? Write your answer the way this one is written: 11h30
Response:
7h32
